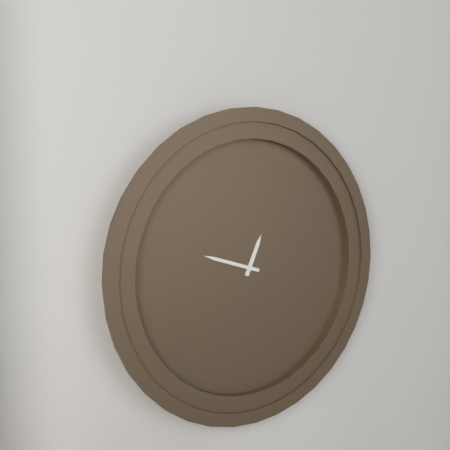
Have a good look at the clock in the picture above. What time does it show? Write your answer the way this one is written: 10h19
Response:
12h48
